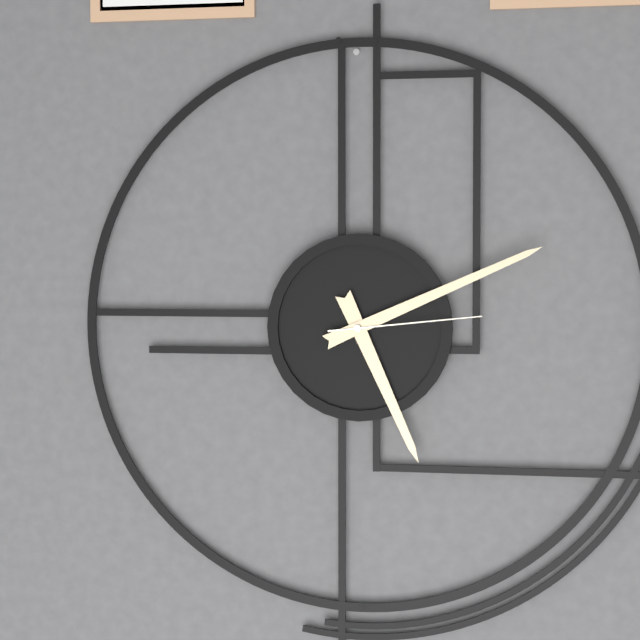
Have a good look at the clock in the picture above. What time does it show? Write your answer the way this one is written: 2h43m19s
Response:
5h11m14s
